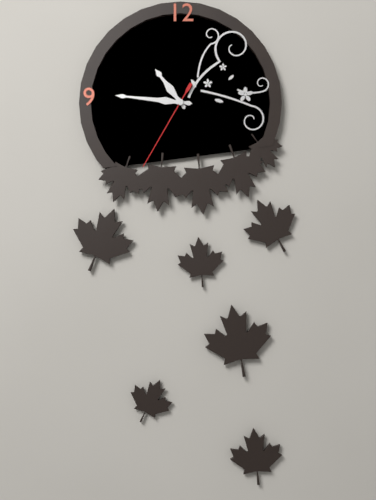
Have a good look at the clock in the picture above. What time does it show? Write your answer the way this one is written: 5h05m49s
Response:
10h46m35s
